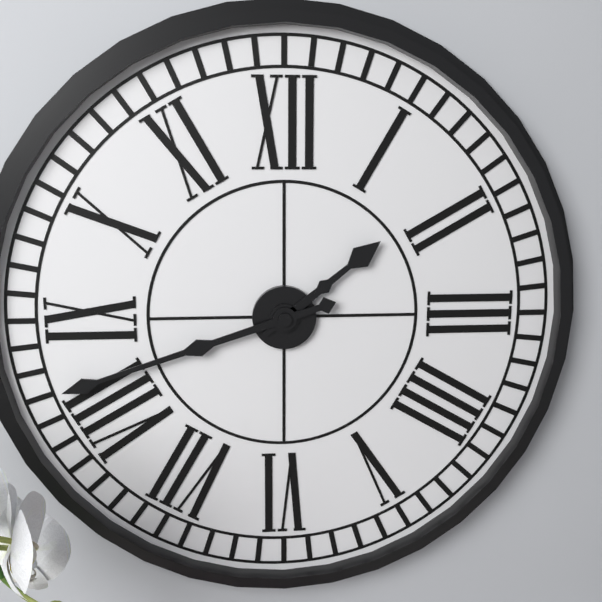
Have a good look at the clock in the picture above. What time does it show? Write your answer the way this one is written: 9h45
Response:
1h42
